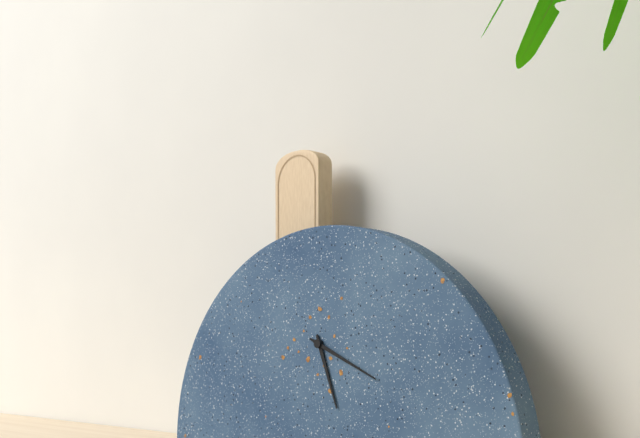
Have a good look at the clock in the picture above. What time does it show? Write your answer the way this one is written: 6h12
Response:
5h19
